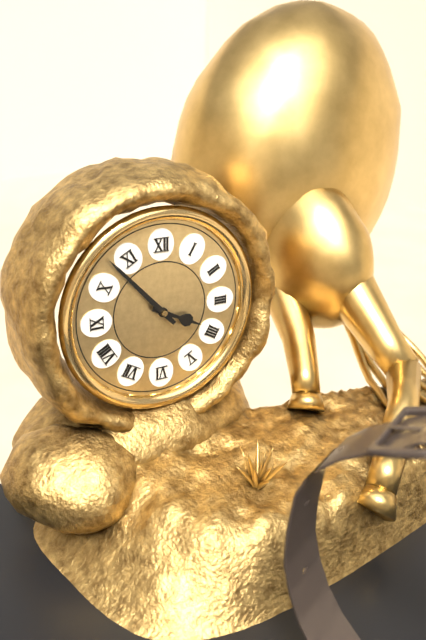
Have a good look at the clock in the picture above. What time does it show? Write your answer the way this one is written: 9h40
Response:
3h53
